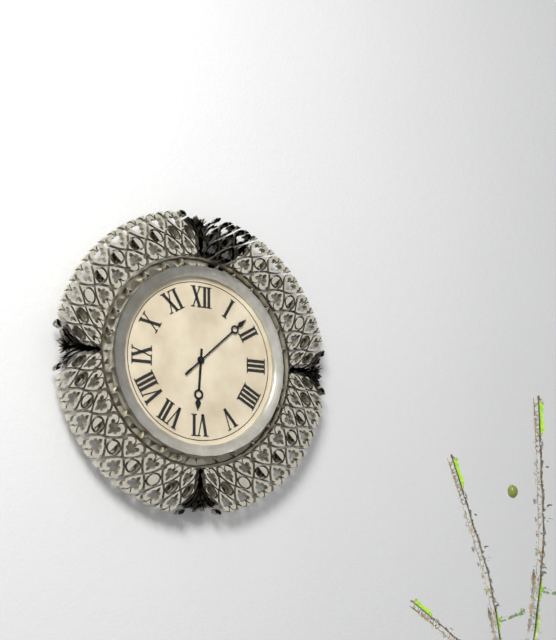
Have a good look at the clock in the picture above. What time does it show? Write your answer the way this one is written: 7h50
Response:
6h08
